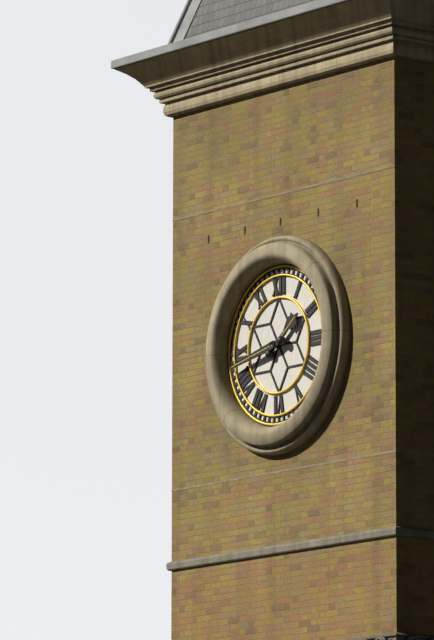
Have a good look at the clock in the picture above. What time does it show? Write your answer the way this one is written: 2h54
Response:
1h43
